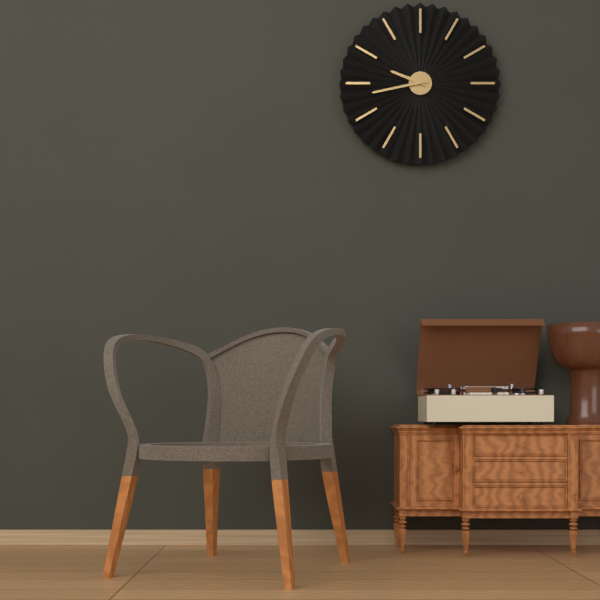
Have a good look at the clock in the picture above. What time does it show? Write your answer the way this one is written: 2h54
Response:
9h43
